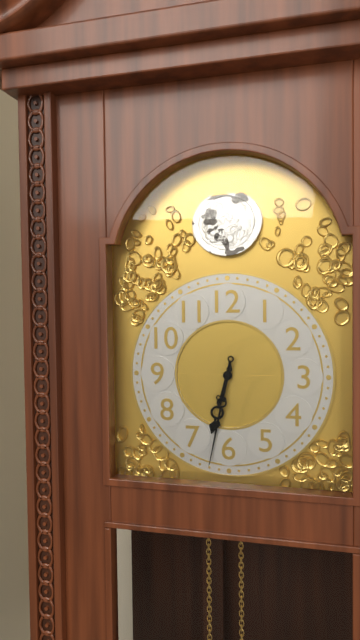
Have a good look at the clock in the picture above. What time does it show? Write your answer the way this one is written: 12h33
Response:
6h32
